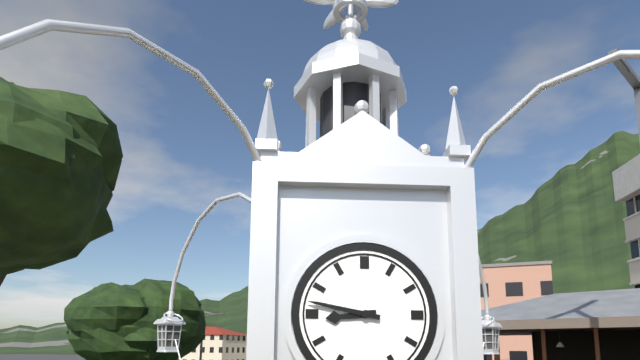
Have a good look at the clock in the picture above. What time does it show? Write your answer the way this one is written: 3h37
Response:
8h47
